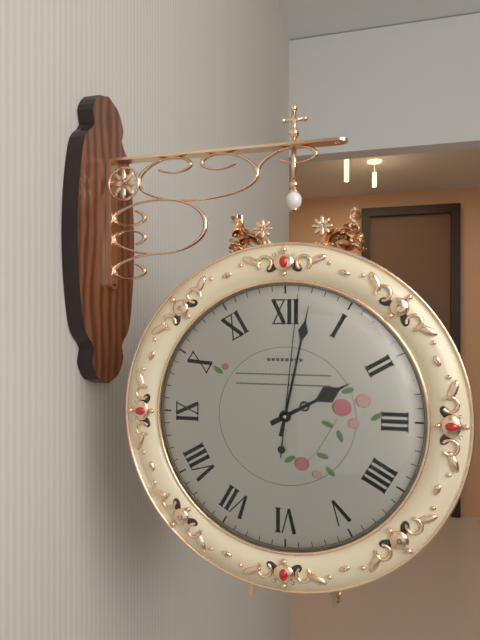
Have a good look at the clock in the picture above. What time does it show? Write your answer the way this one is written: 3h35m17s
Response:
2h02m01s
